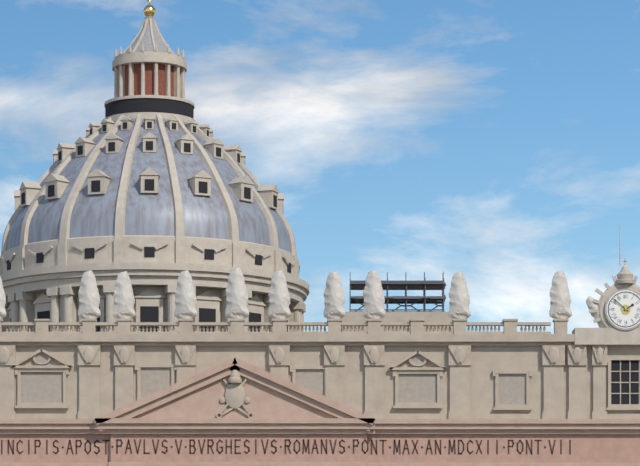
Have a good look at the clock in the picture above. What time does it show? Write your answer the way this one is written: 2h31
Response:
1h52
